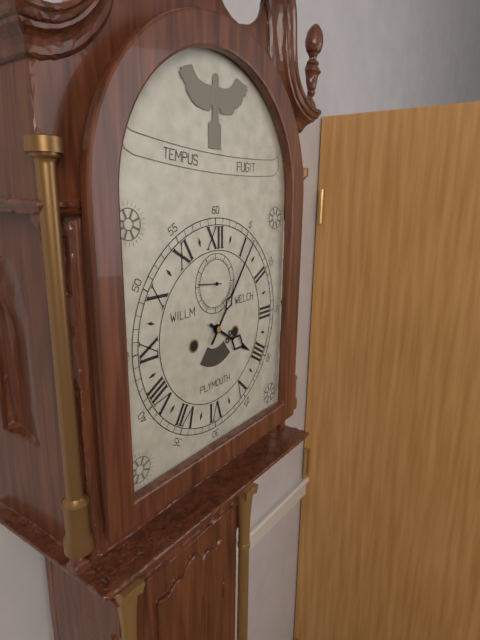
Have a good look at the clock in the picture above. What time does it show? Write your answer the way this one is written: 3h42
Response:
4h06
